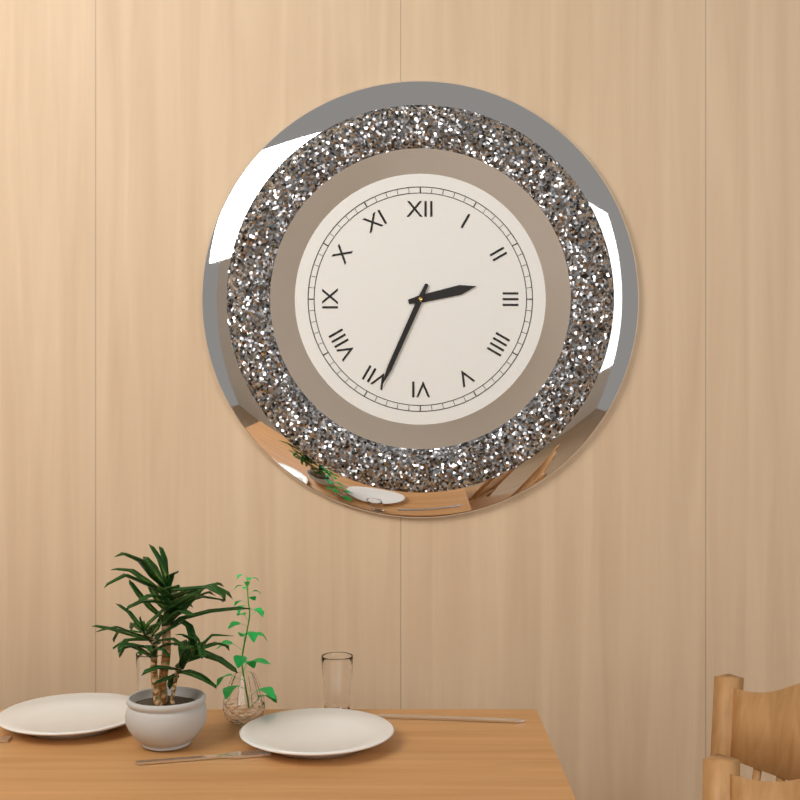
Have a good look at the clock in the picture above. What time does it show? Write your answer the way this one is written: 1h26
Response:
2h34
